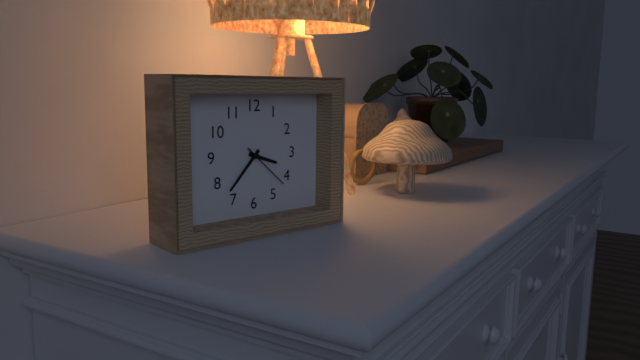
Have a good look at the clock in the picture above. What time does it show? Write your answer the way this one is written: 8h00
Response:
3h37
